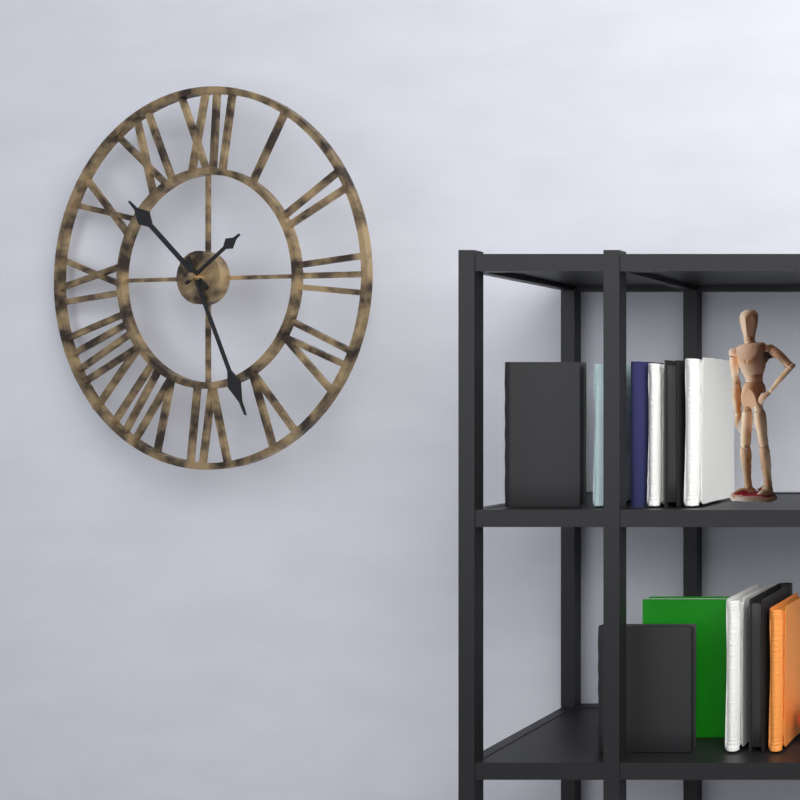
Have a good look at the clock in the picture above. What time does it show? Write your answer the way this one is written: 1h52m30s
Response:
10h26m09s
